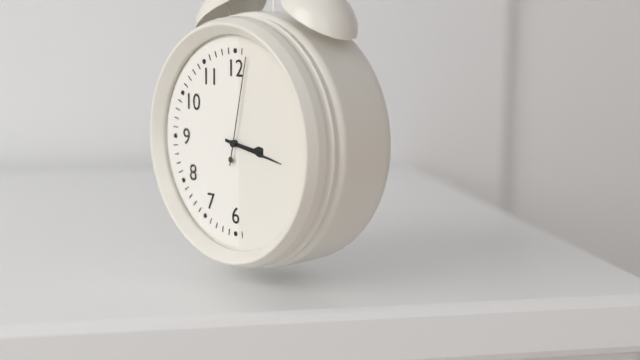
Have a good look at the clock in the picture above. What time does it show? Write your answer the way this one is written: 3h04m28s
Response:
3h17m02s
